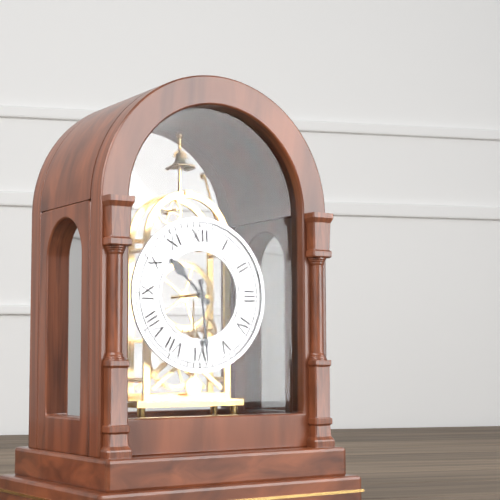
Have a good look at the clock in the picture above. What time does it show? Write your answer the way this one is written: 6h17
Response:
10h29
